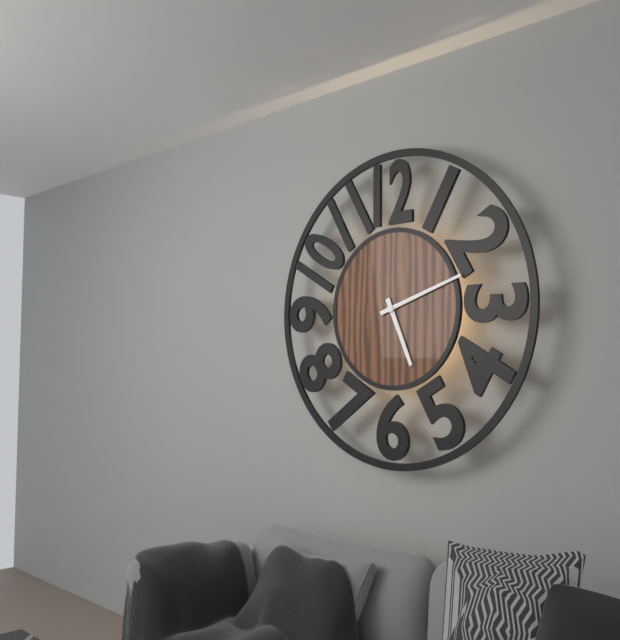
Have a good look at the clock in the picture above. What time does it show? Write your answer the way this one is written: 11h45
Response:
5h12
